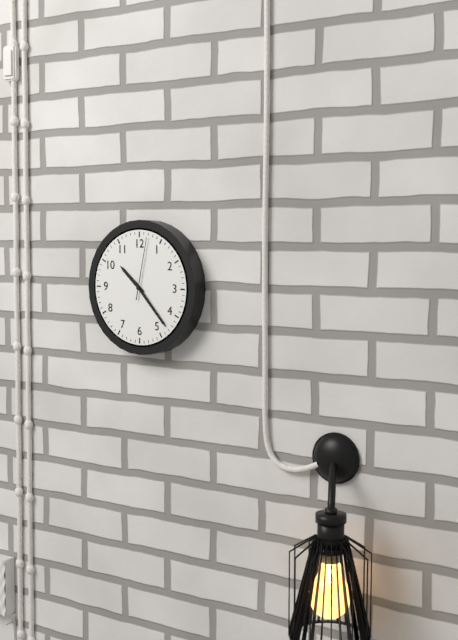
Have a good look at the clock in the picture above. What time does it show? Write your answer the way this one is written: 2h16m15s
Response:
10h23m02s
